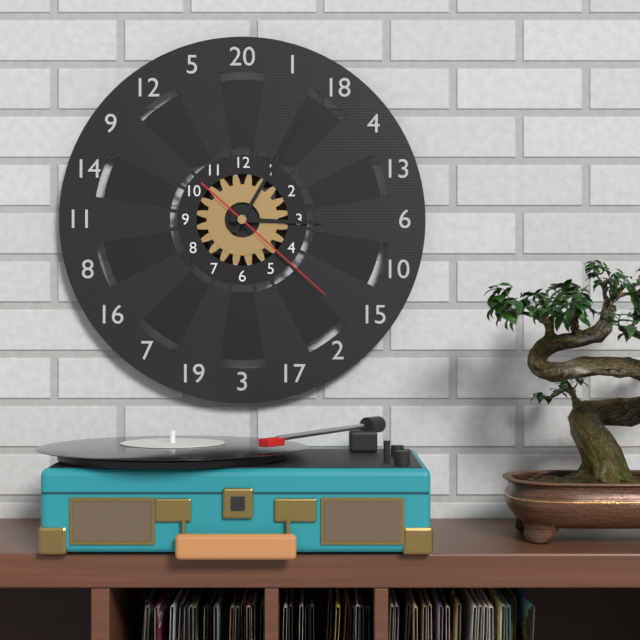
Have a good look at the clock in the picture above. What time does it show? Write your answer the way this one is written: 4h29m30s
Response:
3h05m22s
